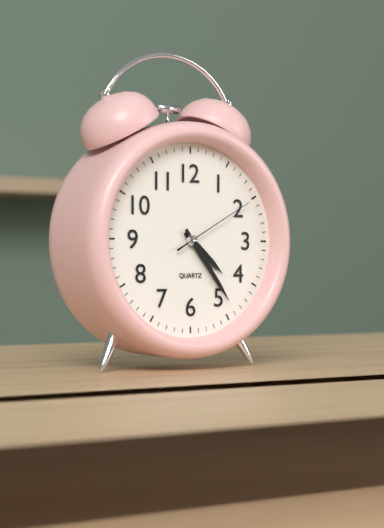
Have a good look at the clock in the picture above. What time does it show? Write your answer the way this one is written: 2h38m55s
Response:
4h24m10s
